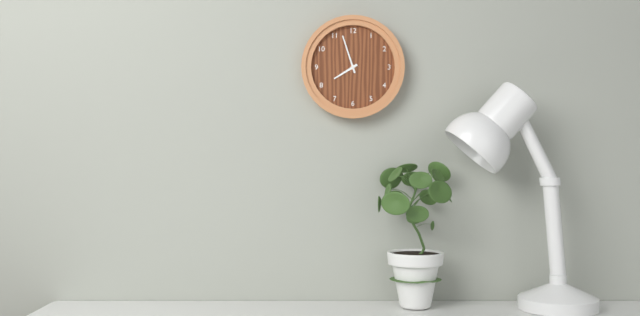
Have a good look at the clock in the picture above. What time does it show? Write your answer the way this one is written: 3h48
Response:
7h57
